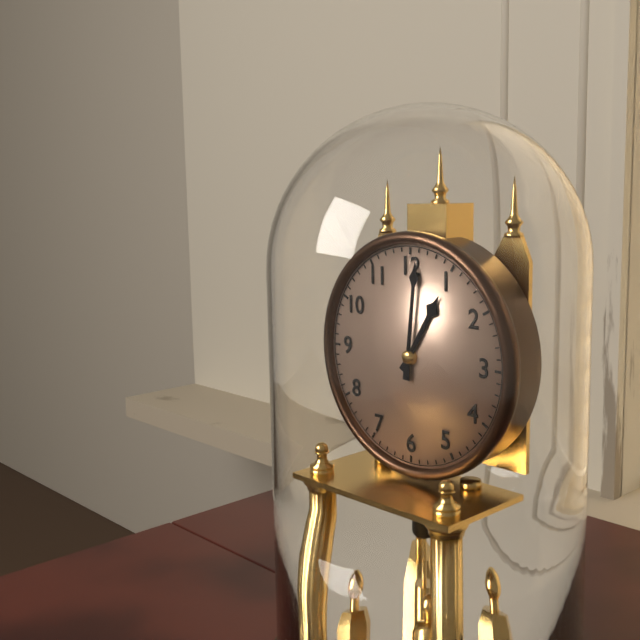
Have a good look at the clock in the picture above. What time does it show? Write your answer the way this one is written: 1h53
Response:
1h01
